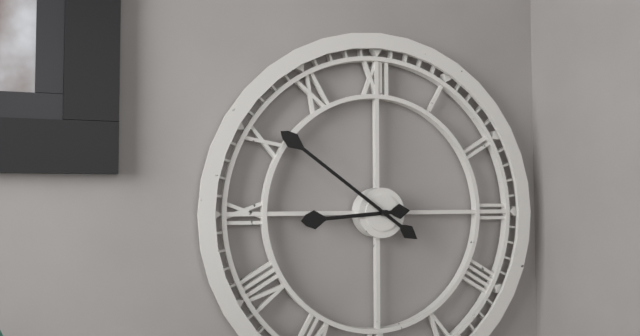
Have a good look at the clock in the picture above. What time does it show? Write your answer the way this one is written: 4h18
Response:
8h51
